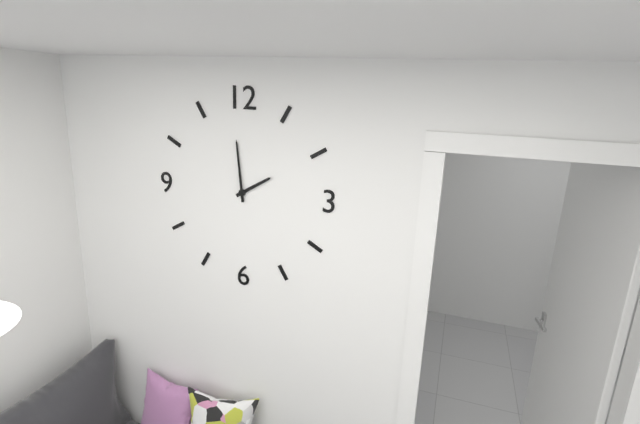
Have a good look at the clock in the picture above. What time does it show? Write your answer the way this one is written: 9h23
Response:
1h59
